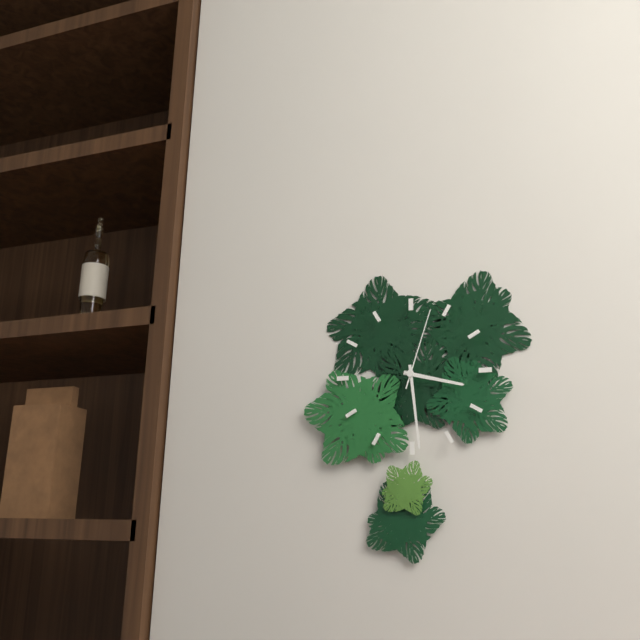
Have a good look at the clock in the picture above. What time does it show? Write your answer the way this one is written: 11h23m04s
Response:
3h29m03s
